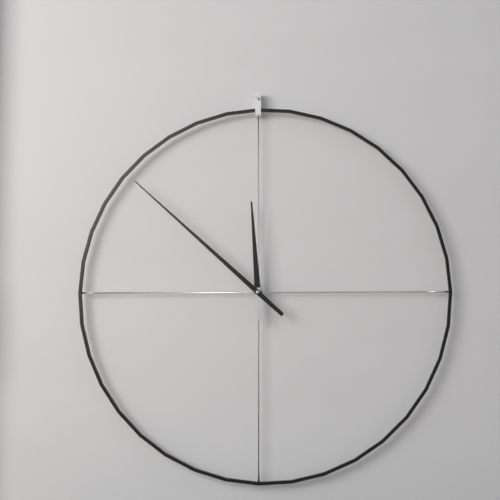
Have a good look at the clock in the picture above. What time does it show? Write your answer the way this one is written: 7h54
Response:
11h52
